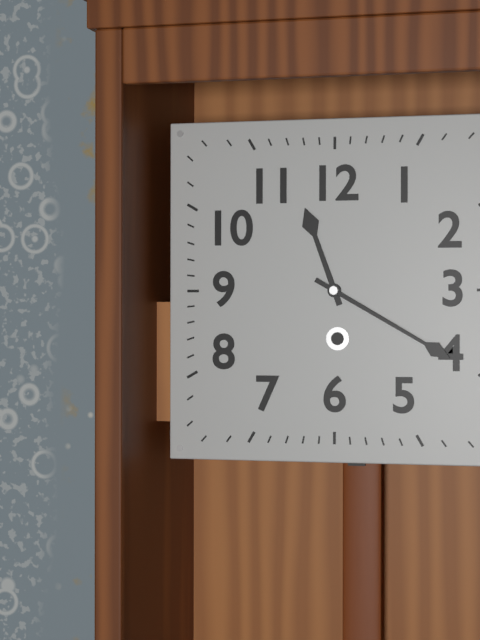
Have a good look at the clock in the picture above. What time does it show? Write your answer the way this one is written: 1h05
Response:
11h20
